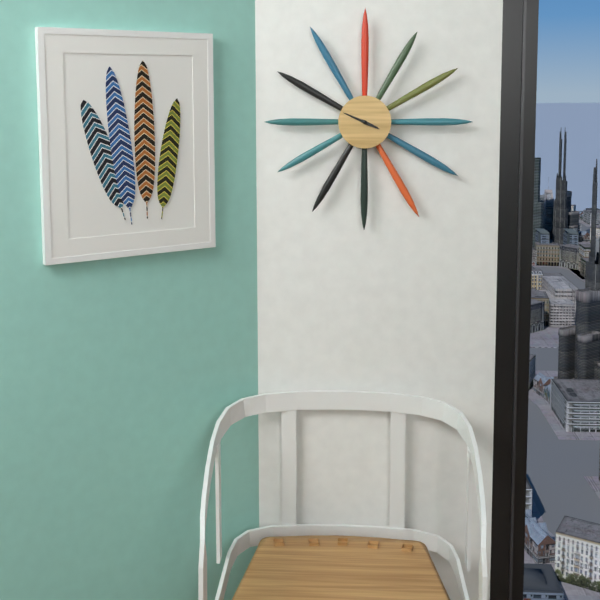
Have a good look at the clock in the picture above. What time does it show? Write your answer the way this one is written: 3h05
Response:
3h49
